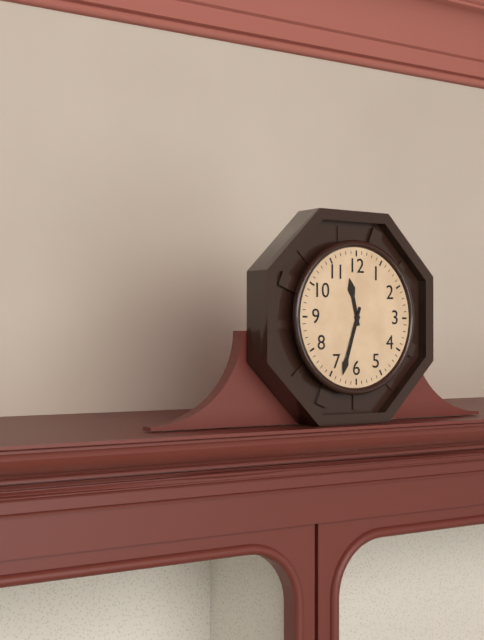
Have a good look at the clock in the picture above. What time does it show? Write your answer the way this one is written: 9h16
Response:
11h33
